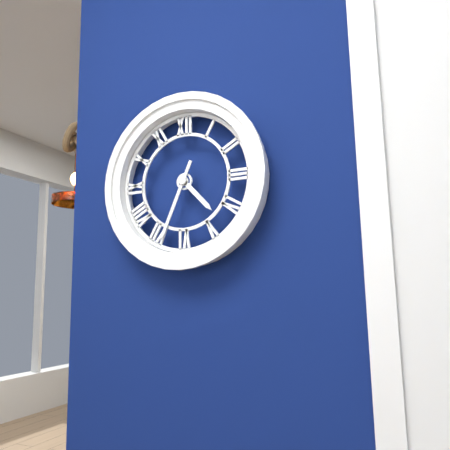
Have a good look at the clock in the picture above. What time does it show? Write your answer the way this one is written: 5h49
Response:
4h34
